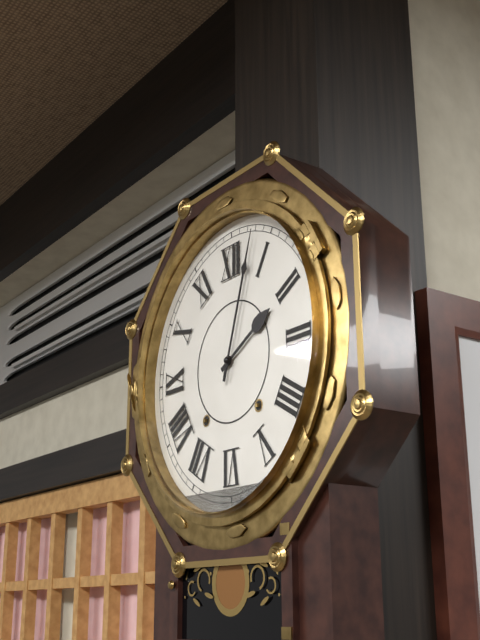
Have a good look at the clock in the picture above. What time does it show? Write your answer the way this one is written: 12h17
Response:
2h03
